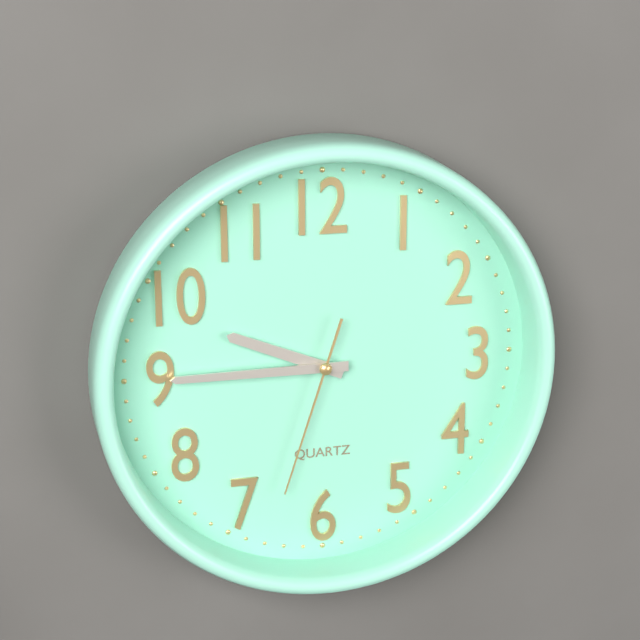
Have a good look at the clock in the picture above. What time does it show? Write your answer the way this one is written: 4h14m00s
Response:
9h45m33s
